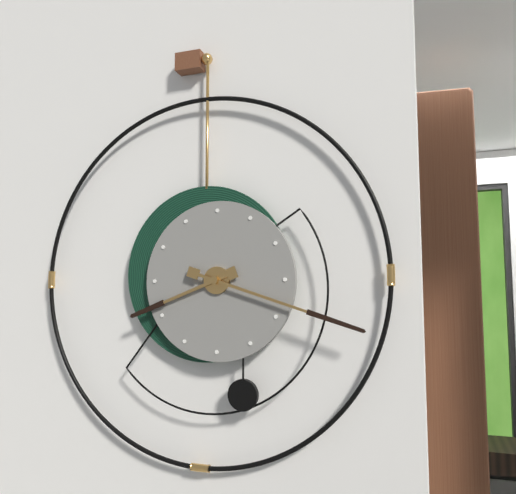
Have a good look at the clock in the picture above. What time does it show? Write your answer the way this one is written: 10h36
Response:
8h18
